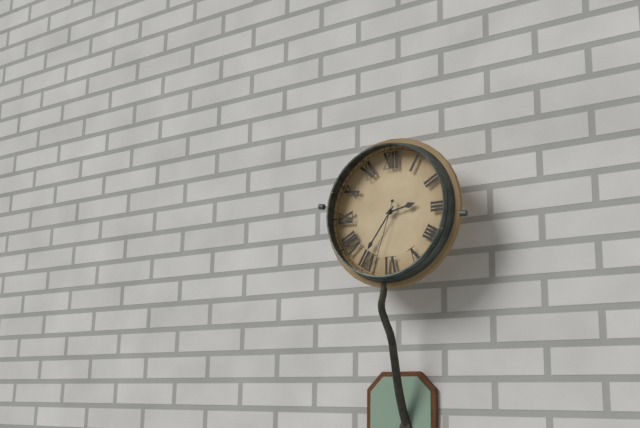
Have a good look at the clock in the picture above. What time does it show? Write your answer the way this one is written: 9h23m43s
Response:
2h36m33s
